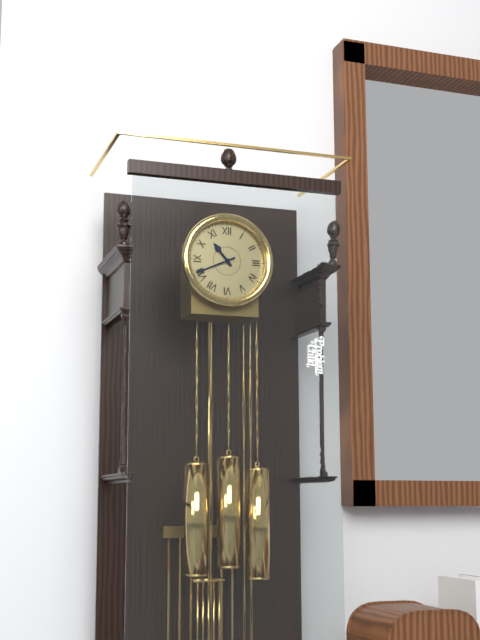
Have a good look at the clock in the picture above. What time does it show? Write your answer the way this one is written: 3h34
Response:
10h41
